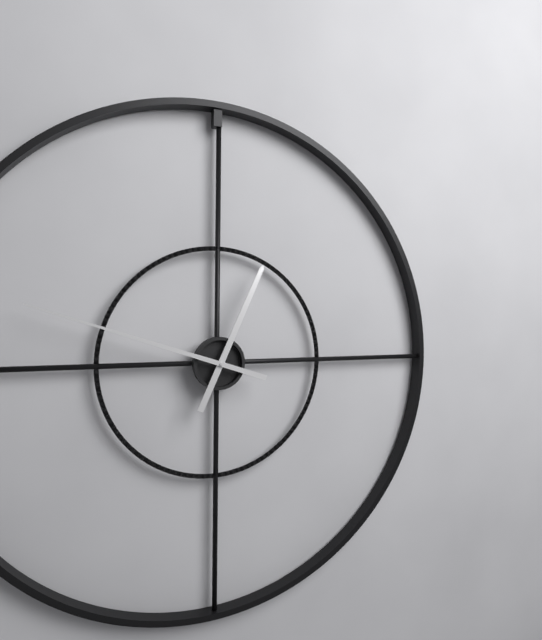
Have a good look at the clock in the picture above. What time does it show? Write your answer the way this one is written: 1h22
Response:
12h48
